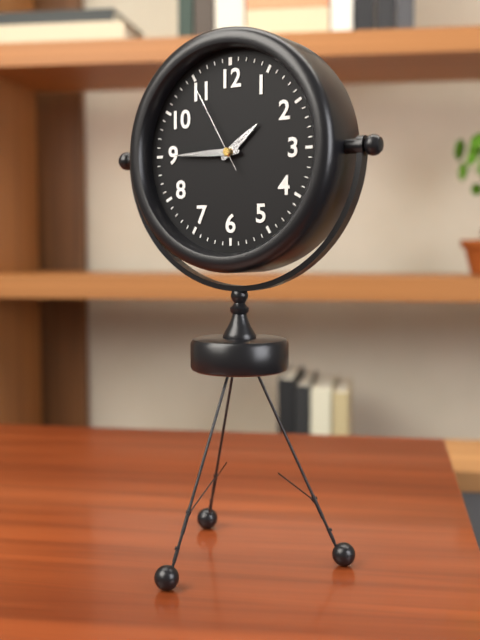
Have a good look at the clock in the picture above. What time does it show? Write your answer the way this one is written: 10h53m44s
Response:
1h45m55s
